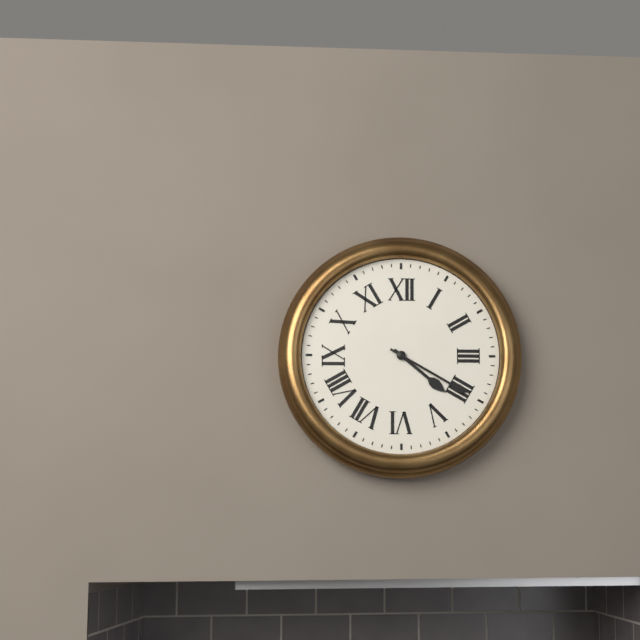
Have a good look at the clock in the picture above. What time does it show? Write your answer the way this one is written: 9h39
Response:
4h20
